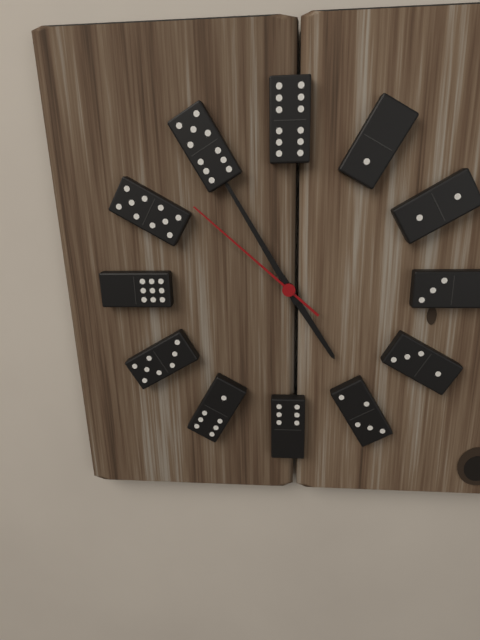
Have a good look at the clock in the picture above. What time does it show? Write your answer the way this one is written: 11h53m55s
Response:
4h55m52s
